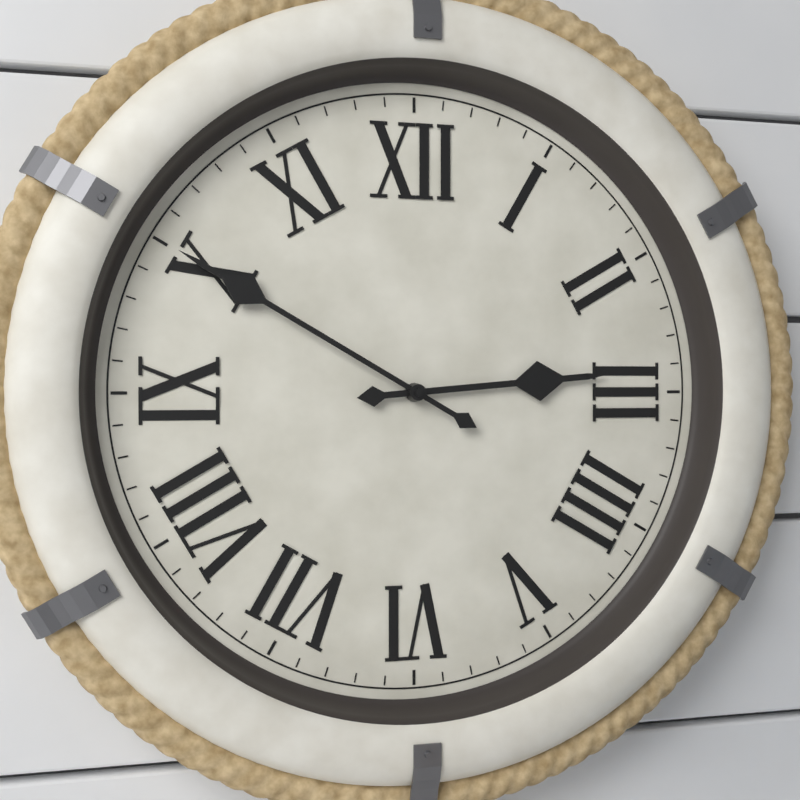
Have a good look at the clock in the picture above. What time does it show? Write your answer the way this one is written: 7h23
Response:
2h50
